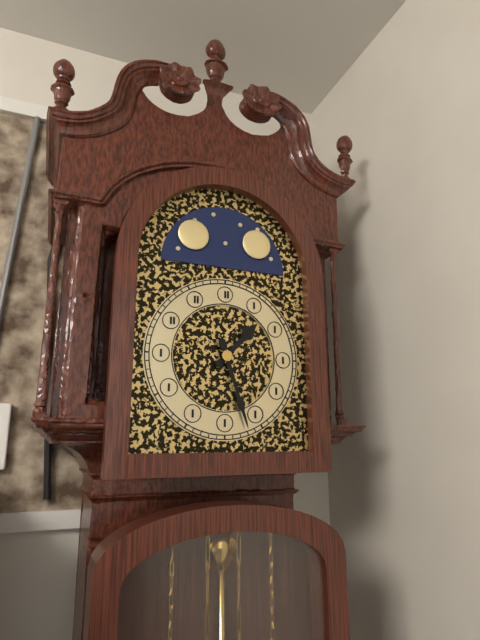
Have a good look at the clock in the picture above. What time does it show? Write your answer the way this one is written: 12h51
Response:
1h27
